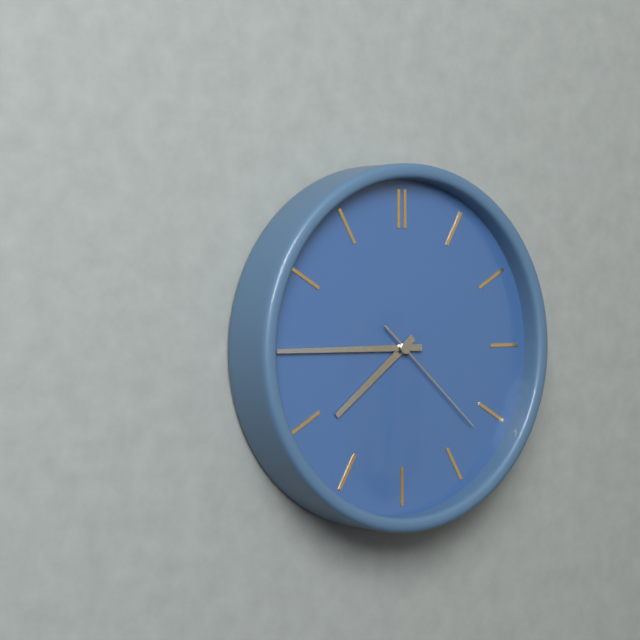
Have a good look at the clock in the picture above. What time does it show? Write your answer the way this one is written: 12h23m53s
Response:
7h45m22s
